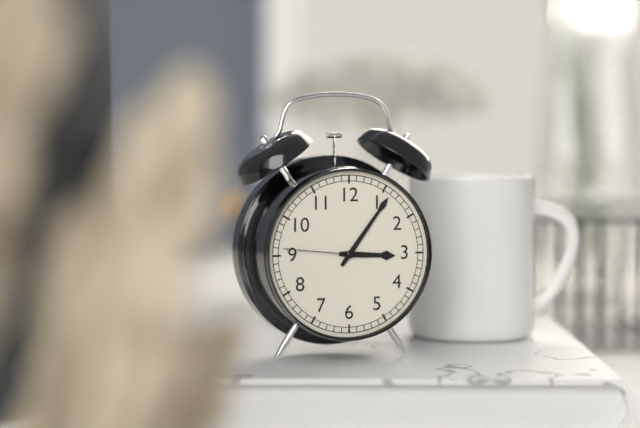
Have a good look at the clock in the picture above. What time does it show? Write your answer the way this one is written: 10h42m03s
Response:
3h06m46s
